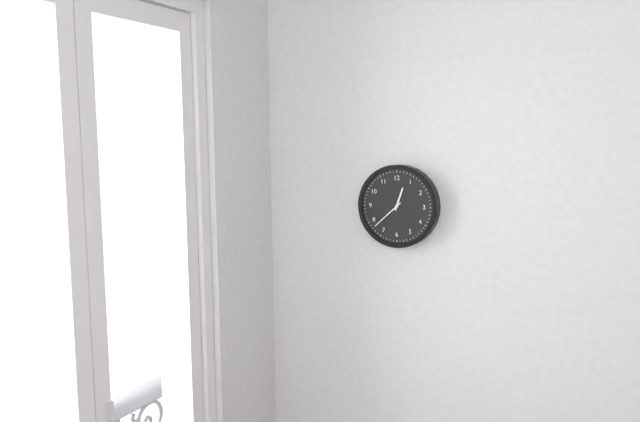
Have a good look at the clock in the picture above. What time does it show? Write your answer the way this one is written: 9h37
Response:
12h38
